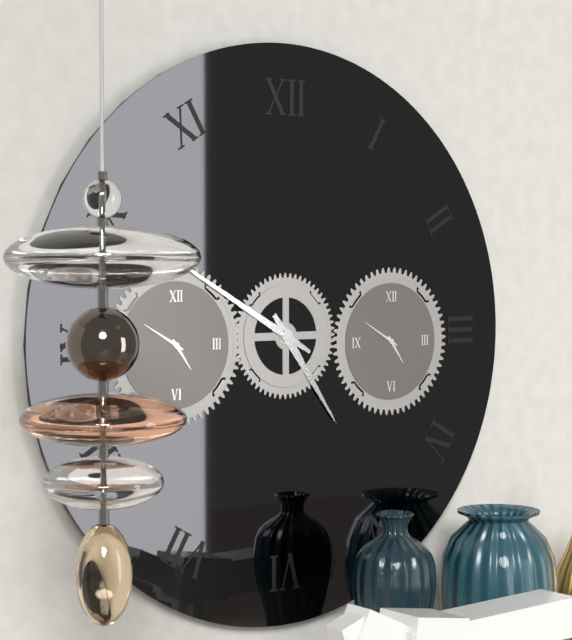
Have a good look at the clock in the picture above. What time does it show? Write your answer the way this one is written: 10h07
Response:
4h50
